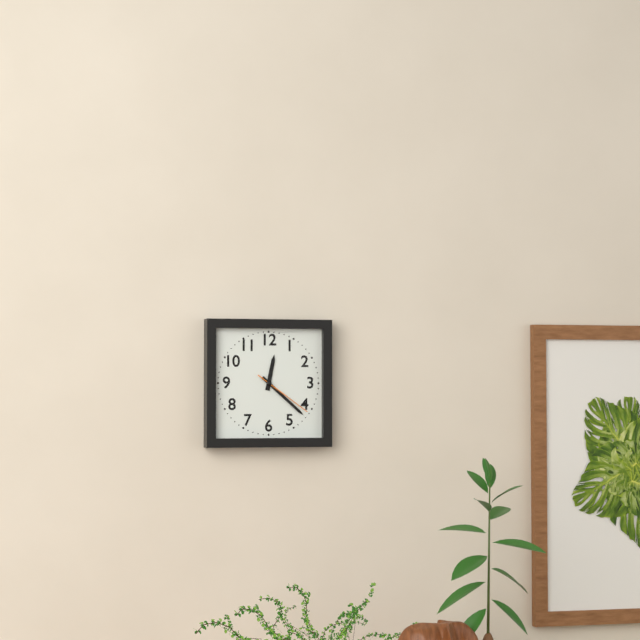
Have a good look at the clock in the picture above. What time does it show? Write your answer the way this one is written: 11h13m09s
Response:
12h22m21s
